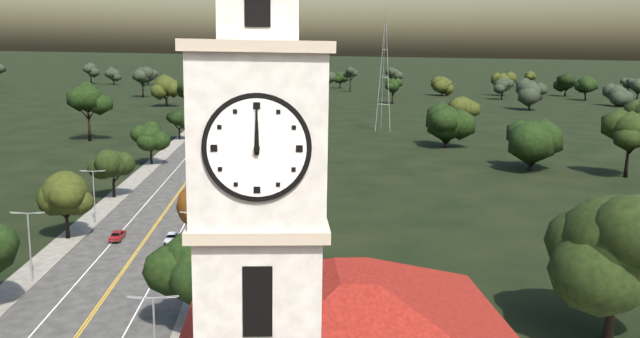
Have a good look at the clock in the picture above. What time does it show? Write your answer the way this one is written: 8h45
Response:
12h00
